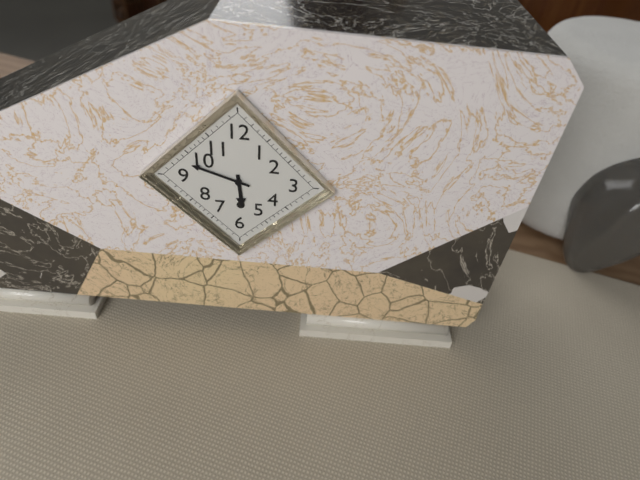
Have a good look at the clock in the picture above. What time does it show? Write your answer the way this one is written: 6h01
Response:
5h48
